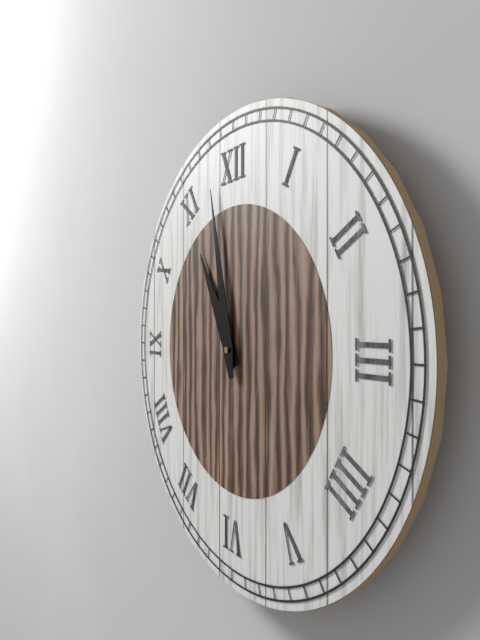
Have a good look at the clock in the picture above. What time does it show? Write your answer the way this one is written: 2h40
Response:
10h58
